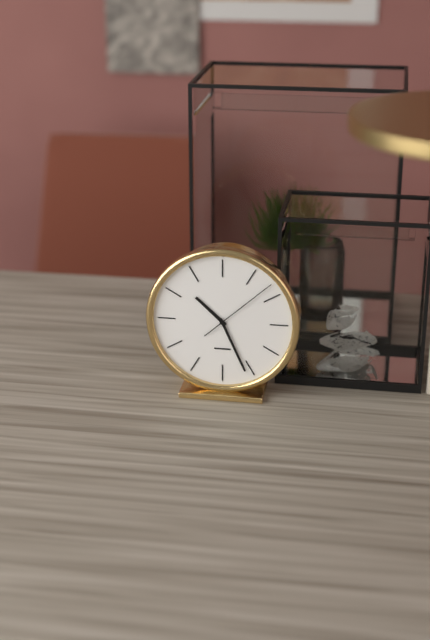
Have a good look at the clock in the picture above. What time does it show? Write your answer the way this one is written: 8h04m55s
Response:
10h26m08s
